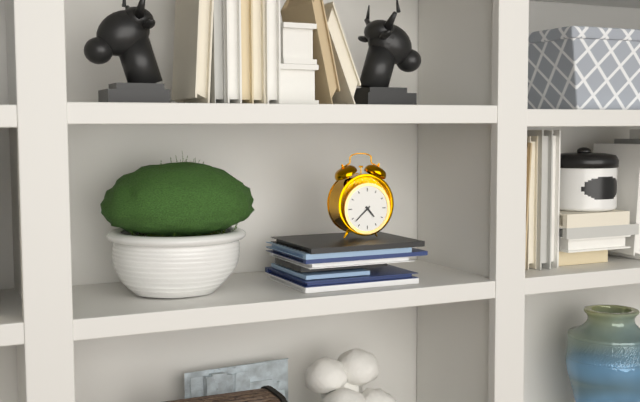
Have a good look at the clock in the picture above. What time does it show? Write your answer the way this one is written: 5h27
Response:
4h38
